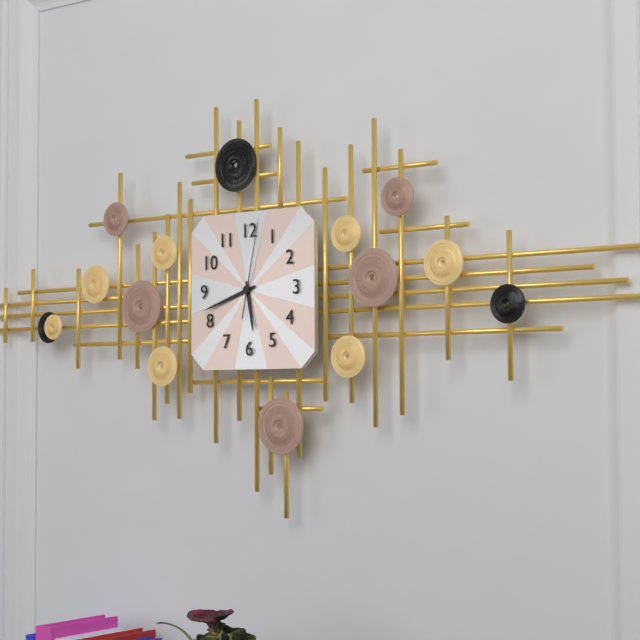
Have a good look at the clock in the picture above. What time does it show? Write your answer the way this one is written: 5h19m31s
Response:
5h42m02s
